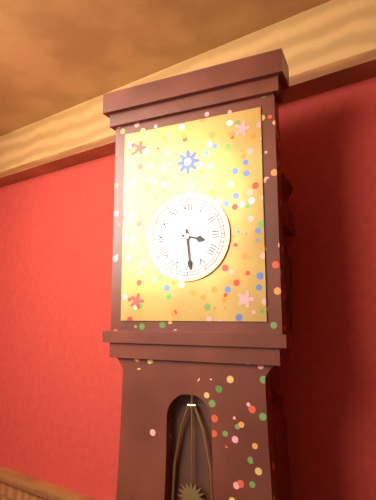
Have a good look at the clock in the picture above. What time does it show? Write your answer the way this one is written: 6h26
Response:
3h29
